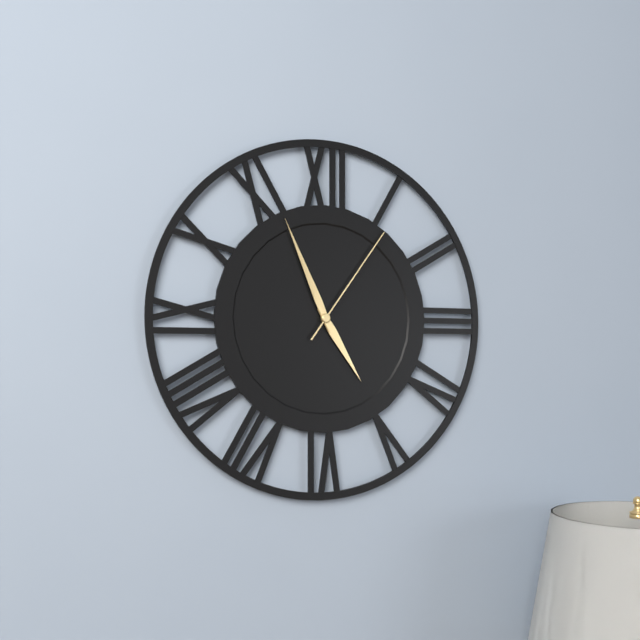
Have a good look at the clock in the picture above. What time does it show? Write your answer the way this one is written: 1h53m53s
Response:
4h56m06s
